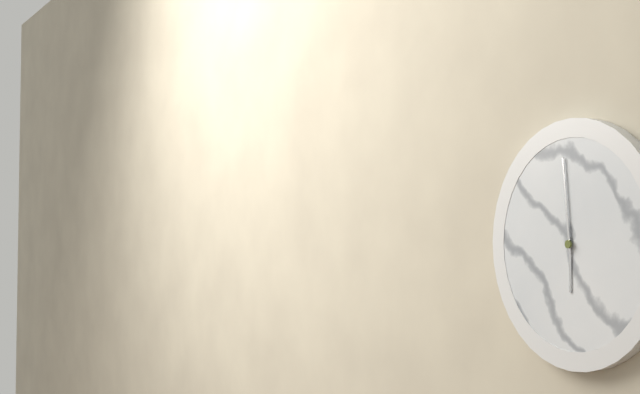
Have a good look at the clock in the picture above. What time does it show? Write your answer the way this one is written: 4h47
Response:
5h59
